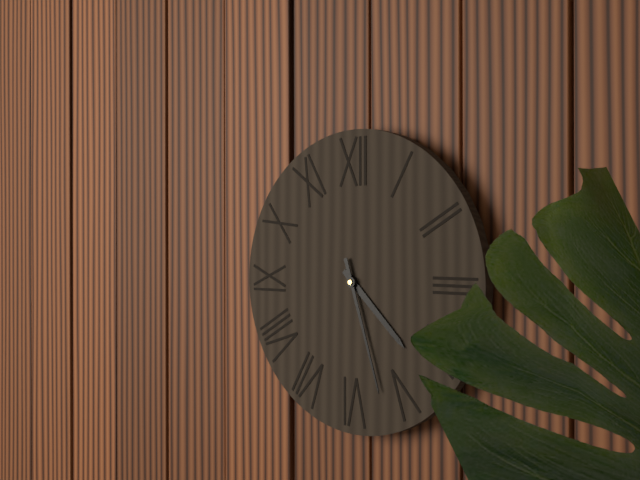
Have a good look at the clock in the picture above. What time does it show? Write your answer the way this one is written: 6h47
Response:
4h27
